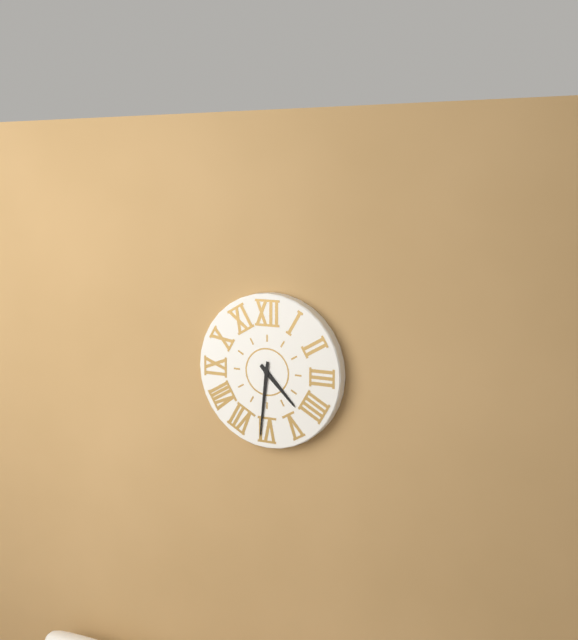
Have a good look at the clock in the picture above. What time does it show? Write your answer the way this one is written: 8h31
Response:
4h31
